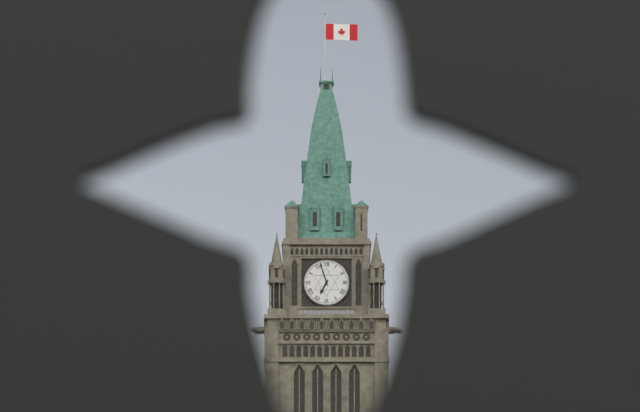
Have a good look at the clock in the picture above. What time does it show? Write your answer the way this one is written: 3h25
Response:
6h57
